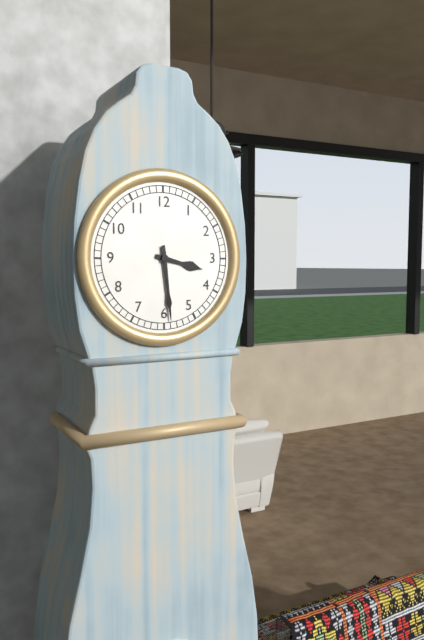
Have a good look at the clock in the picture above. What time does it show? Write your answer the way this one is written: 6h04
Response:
3h29
